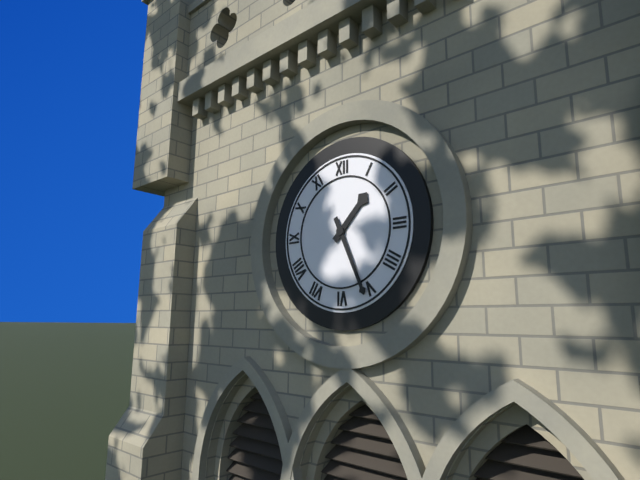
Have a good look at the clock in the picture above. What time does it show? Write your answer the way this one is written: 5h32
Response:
1h26
